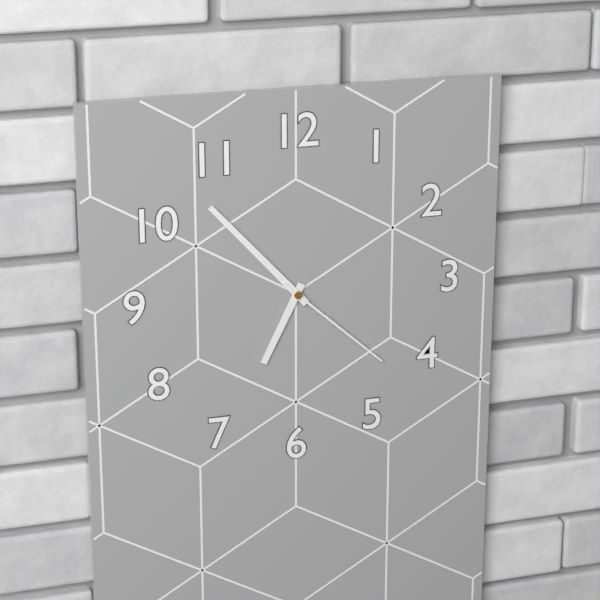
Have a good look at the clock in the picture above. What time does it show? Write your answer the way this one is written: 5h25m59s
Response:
6h53m22s
